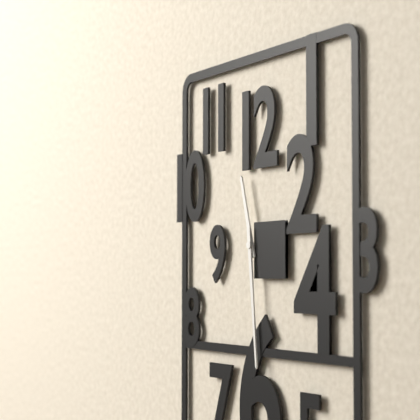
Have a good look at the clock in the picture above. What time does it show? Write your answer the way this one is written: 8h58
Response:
11h29
